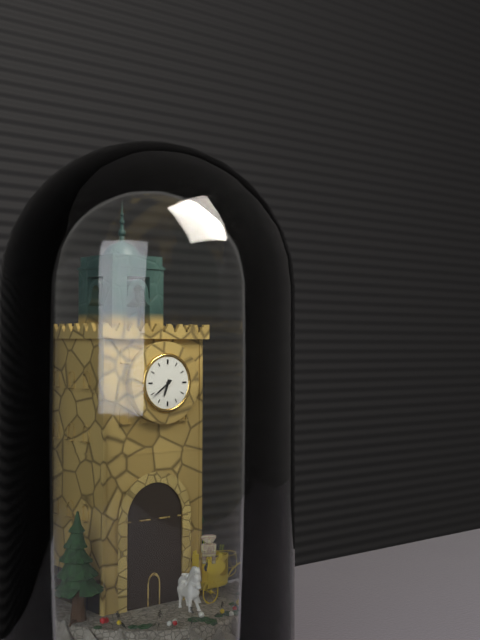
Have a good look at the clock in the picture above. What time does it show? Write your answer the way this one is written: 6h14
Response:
6h39
